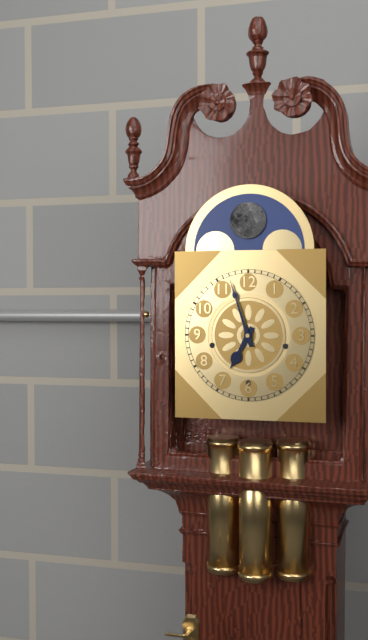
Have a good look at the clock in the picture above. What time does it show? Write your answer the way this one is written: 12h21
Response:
6h57
